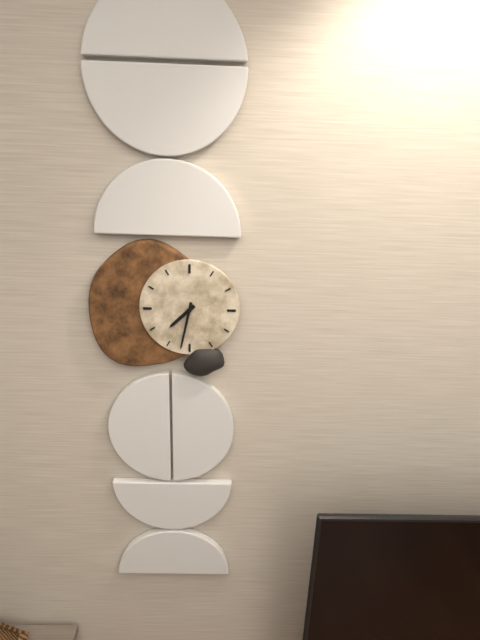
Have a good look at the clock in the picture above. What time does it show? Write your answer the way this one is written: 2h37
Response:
7h32
